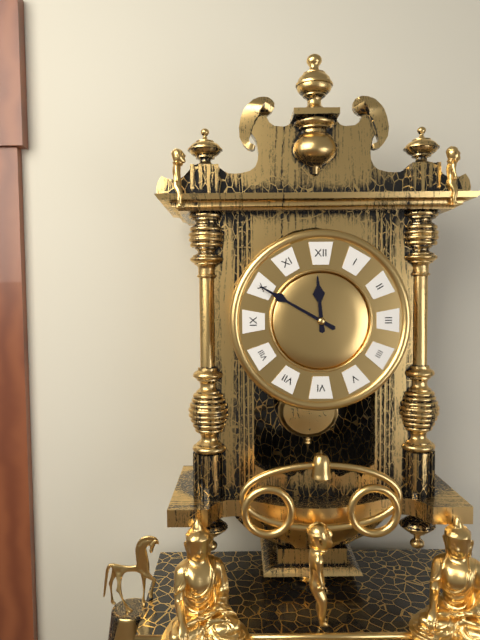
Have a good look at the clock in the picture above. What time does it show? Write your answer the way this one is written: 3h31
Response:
11h50
